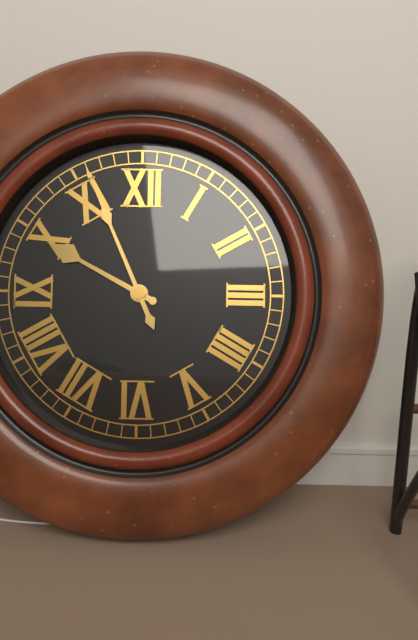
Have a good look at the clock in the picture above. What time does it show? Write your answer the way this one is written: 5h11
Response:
9h56
